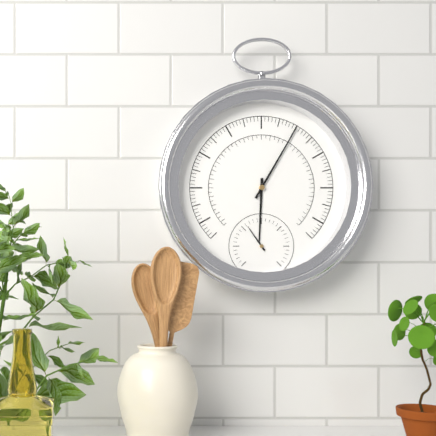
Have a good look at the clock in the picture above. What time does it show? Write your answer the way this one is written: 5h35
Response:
6h05
